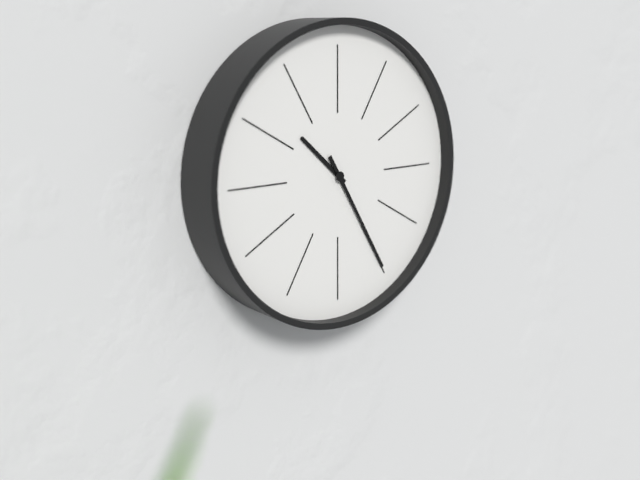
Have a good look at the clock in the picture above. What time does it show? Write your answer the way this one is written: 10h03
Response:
10h25
